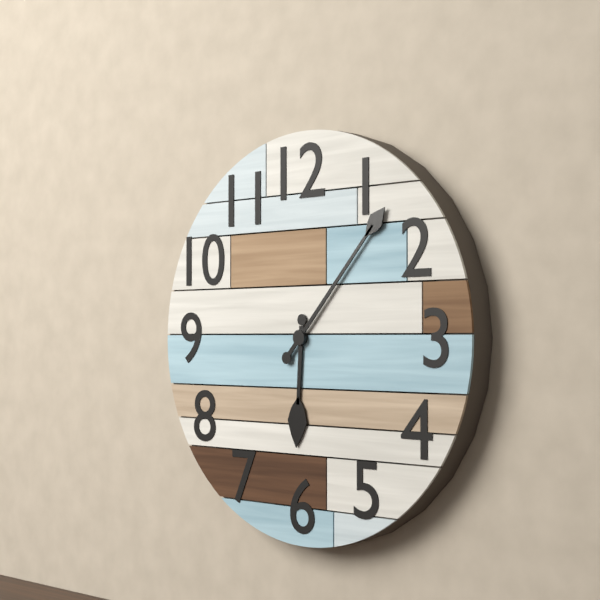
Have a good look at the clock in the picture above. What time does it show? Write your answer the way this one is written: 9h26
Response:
6h07
